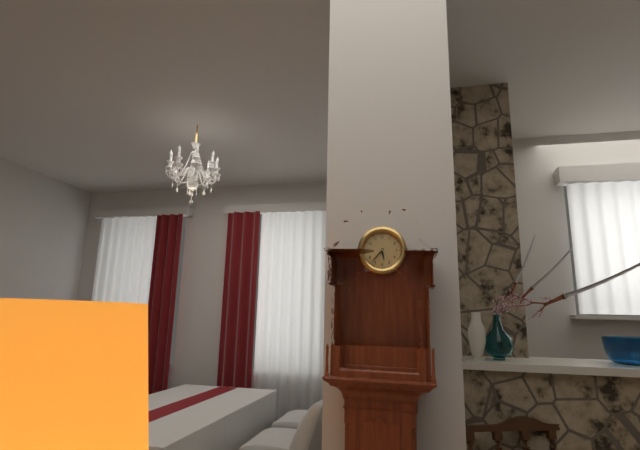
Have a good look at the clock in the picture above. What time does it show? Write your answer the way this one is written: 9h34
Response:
5h37
